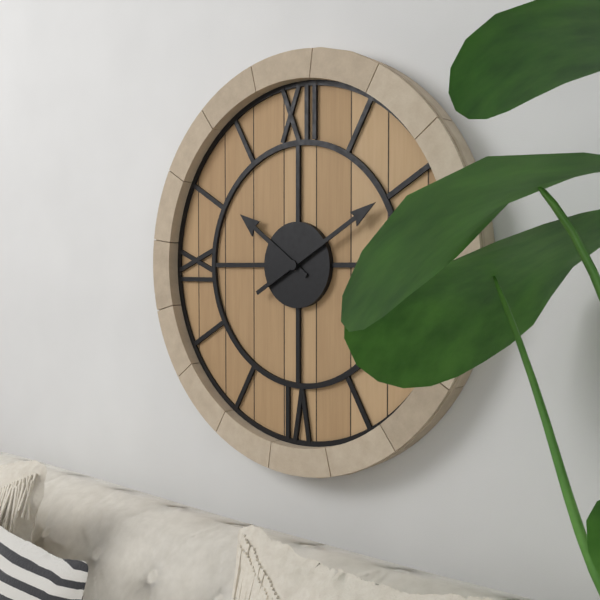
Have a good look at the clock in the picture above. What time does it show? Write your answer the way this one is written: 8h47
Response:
10h10
